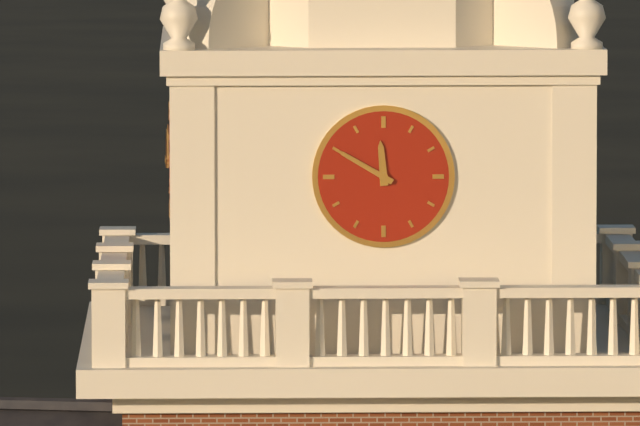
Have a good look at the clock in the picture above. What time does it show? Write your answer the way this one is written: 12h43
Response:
11h50
